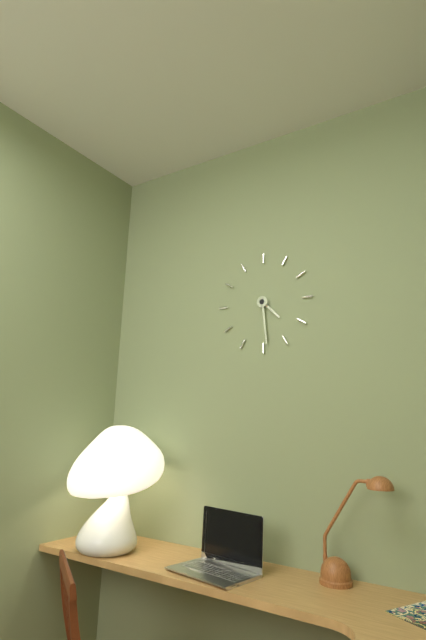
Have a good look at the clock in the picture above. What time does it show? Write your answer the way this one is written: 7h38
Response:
4h29
